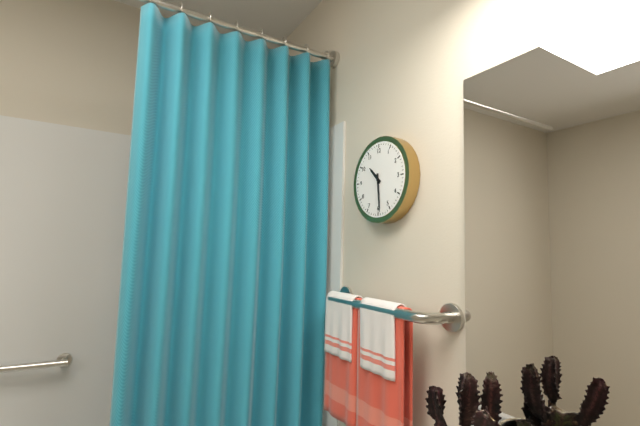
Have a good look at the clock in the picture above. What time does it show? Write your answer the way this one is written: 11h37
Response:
10h29
